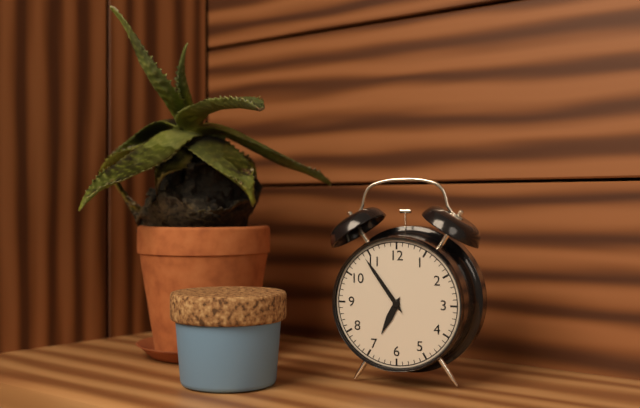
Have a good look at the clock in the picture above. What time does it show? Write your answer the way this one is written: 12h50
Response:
6h54
